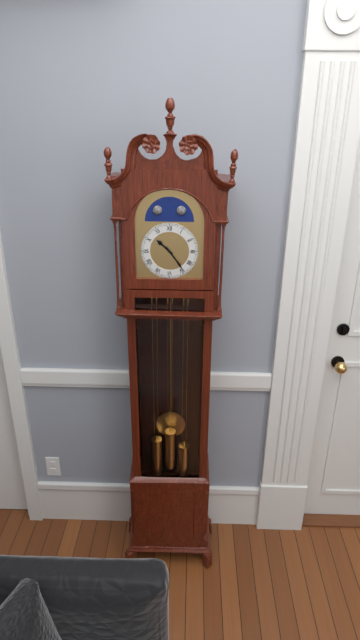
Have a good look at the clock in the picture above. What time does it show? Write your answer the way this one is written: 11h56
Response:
10h24
